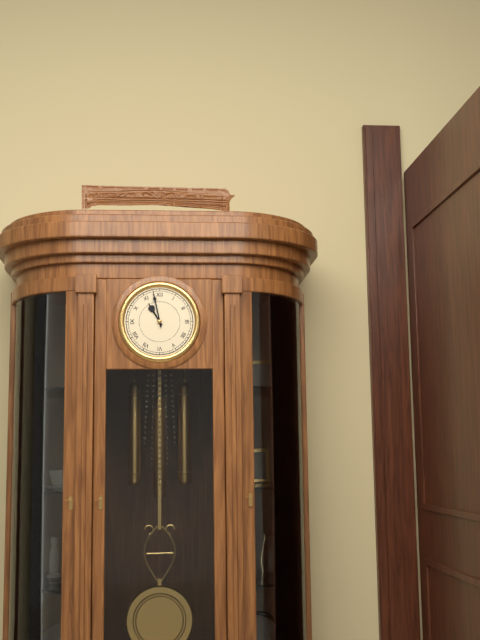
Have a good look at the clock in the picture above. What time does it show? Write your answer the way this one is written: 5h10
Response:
10h58
